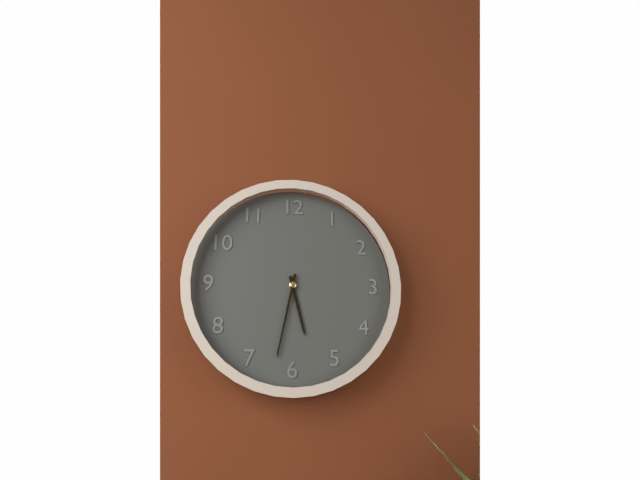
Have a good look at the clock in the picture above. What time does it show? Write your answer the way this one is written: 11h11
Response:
5h32
